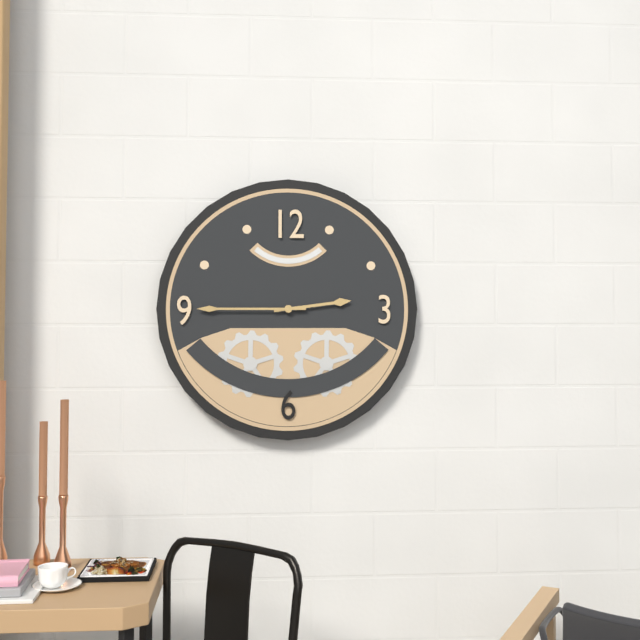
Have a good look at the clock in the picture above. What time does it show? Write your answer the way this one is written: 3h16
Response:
2h45
